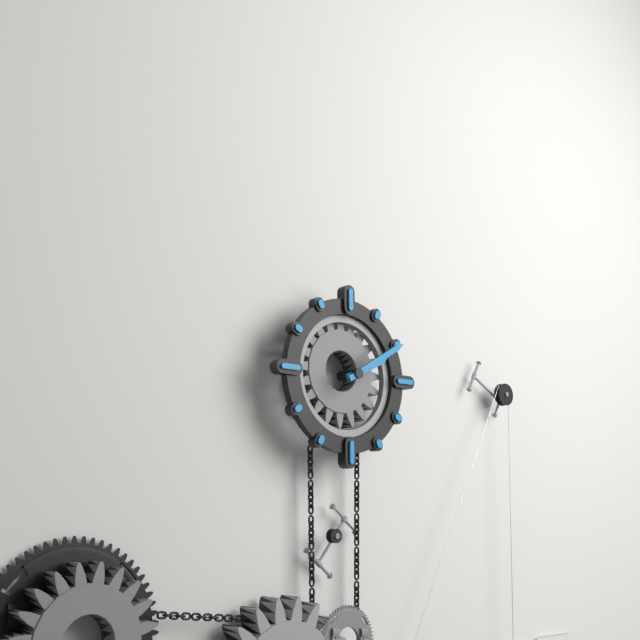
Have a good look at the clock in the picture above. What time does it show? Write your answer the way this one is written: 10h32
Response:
2h10
